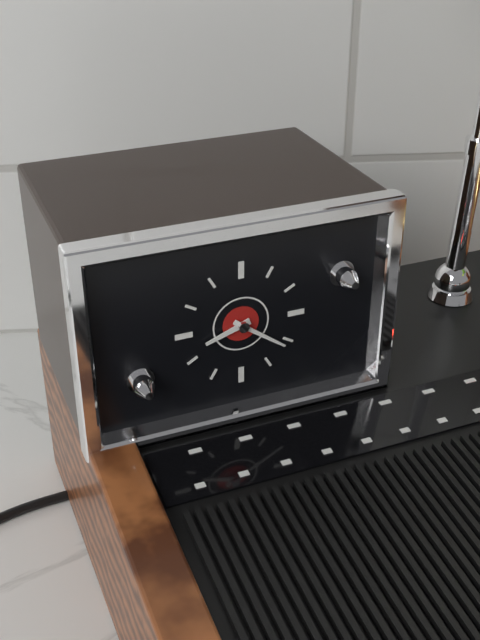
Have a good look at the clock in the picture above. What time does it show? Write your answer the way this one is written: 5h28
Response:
8h21
